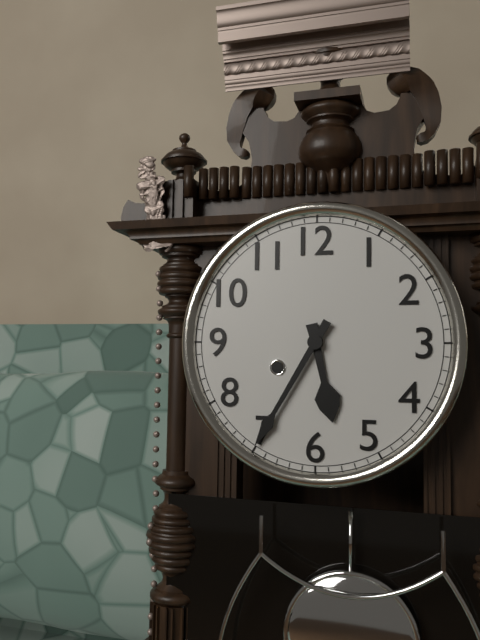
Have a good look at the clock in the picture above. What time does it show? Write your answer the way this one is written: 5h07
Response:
5h35
